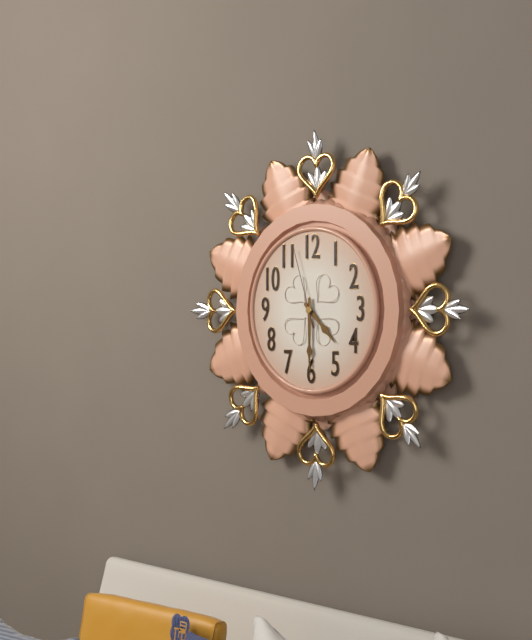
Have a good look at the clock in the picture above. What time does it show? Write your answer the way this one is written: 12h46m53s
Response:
4h30m57s
